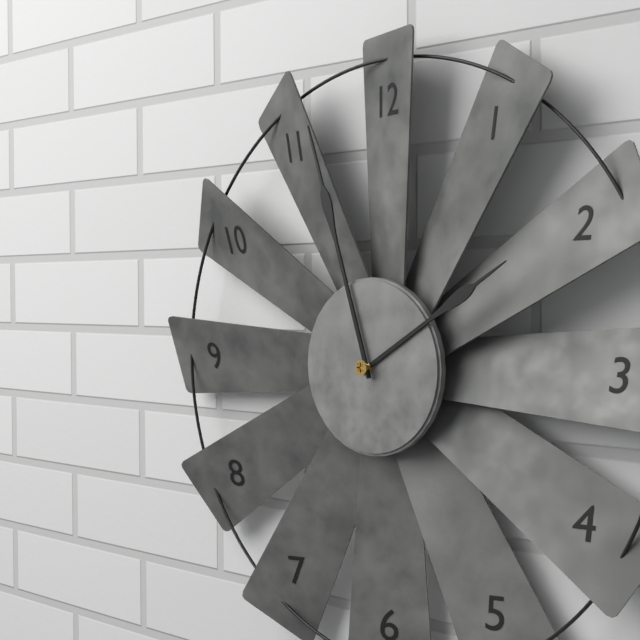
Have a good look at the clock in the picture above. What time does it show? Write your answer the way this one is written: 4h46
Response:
1h57
